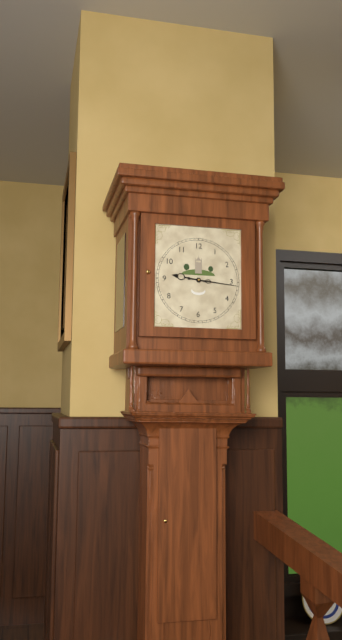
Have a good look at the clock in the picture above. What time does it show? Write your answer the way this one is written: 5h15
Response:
9h16
